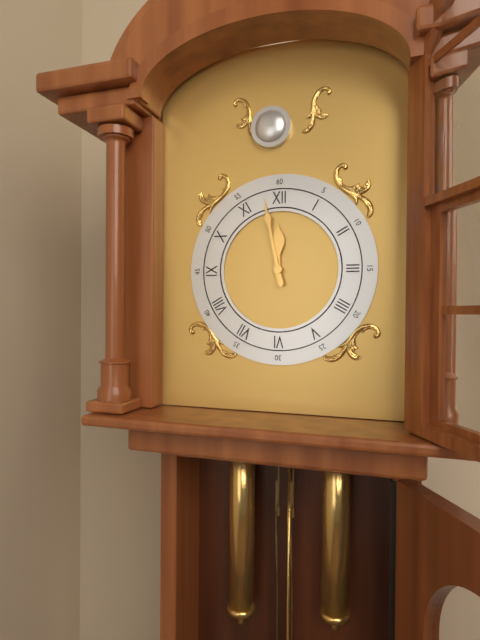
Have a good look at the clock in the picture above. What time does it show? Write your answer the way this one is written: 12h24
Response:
11h58
